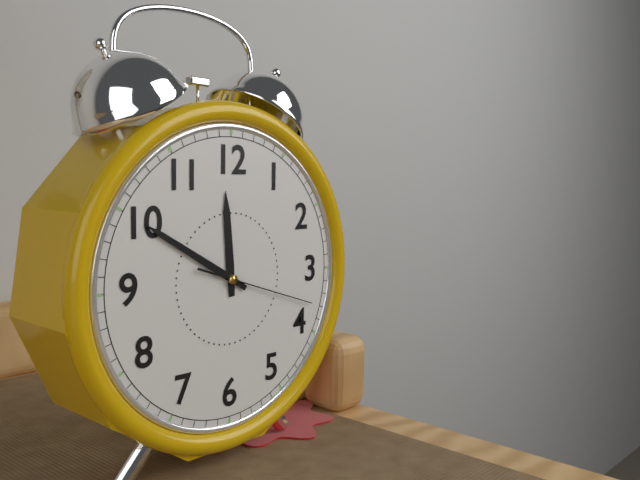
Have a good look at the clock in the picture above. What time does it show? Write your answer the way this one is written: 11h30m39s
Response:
11h50m18s
